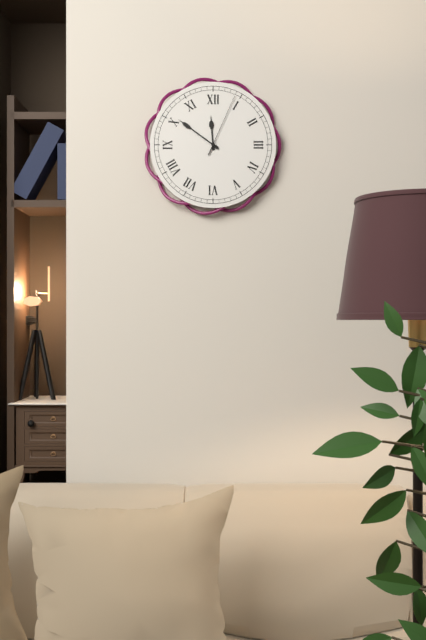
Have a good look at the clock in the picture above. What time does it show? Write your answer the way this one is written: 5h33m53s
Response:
11h51m04s
